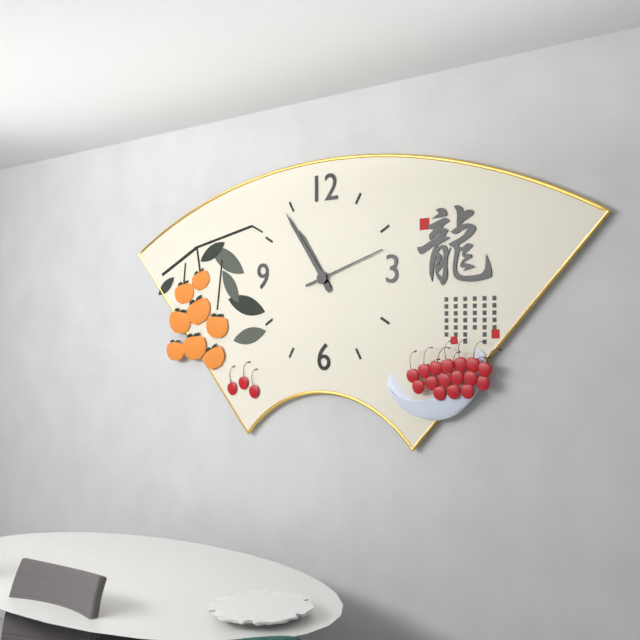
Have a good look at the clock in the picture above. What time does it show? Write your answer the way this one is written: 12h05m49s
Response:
10h54m12s
